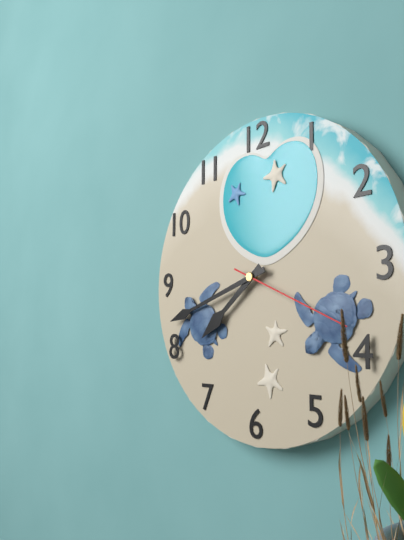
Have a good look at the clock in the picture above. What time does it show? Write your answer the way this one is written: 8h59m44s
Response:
7h42m19s
